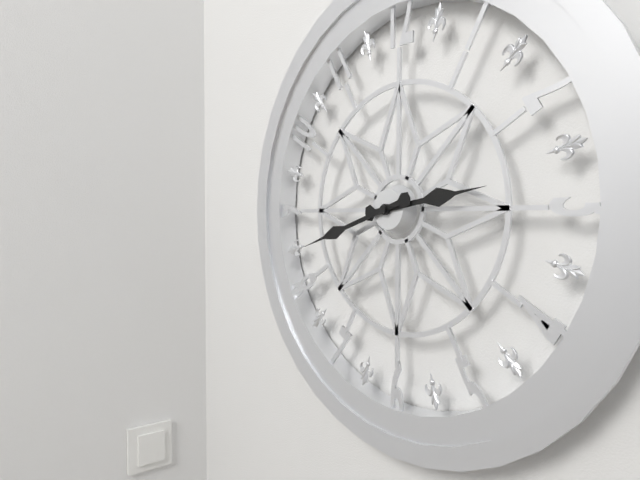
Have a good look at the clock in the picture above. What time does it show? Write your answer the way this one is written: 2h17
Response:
2h42
